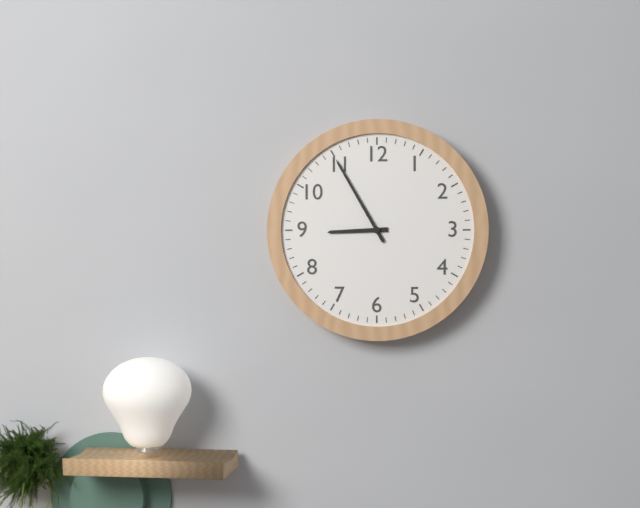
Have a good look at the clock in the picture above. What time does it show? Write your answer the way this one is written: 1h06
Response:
8h55
